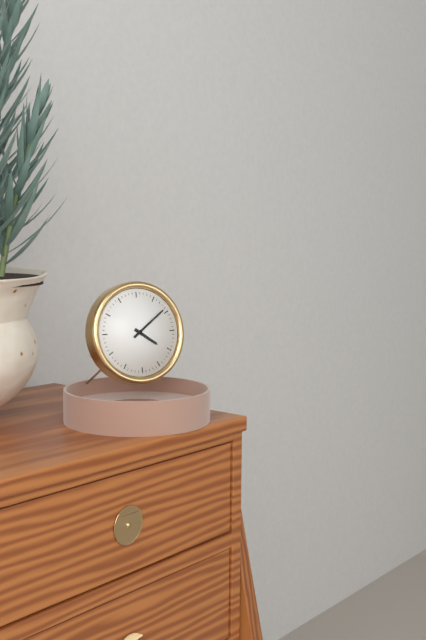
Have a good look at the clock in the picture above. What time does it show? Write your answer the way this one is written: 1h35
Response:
4h09
